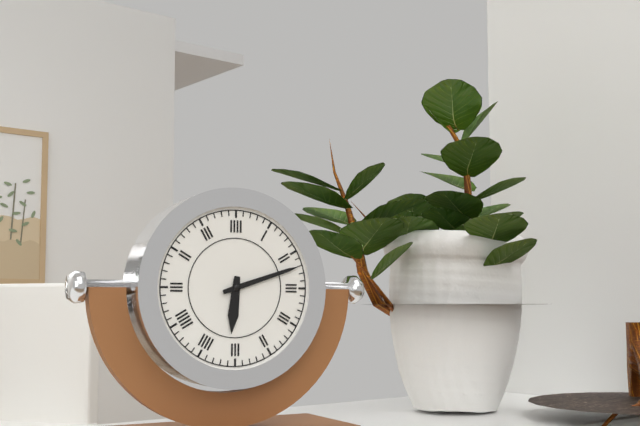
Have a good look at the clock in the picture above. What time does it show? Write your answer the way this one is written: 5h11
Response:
6h12
